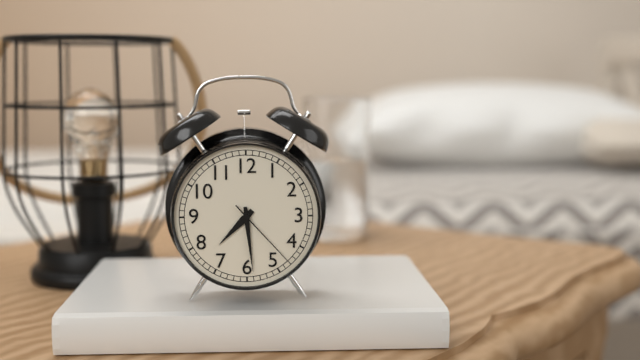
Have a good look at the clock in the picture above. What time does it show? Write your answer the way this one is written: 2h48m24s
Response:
7h29m23s
